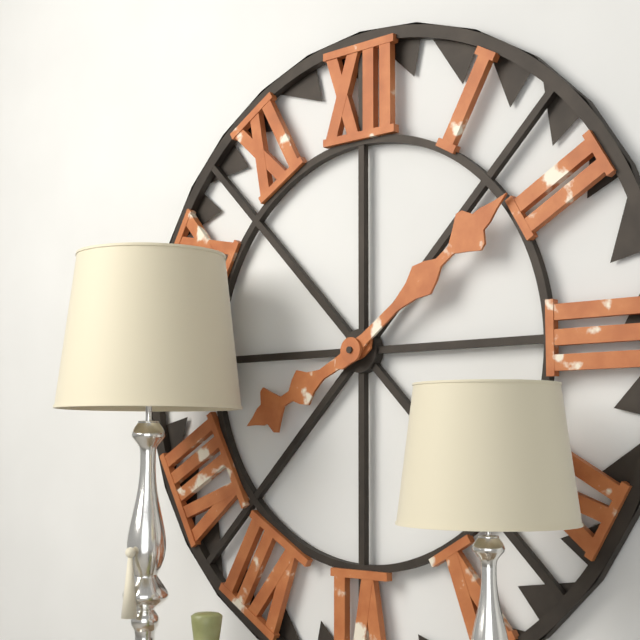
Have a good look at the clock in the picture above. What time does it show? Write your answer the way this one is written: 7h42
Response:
8h09
